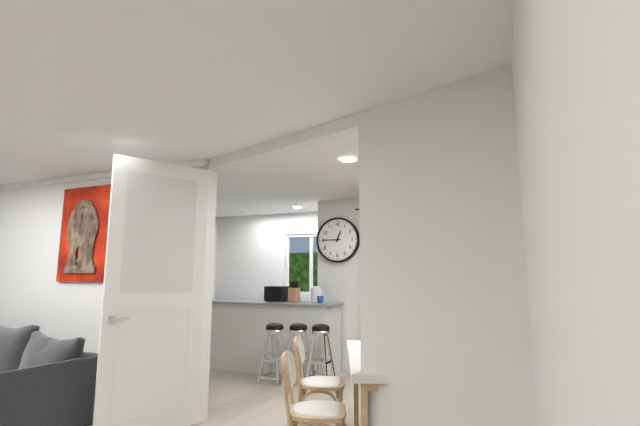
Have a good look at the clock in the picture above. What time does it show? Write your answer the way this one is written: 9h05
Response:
12h45
